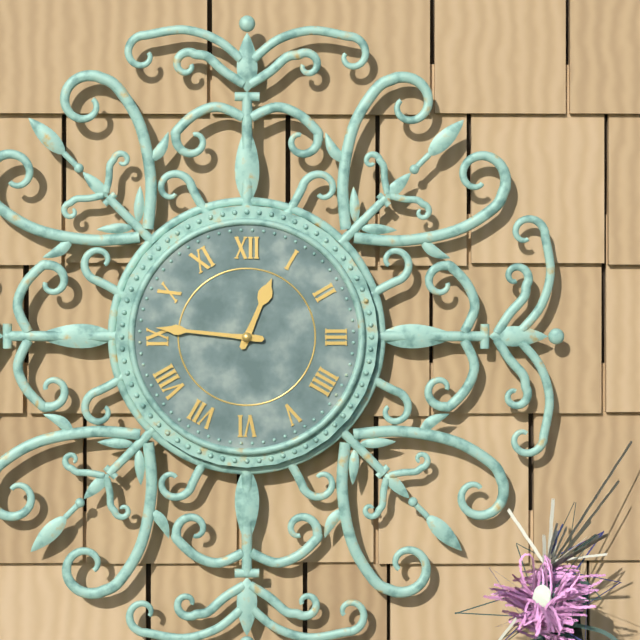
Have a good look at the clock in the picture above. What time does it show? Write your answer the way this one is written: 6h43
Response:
12h46
